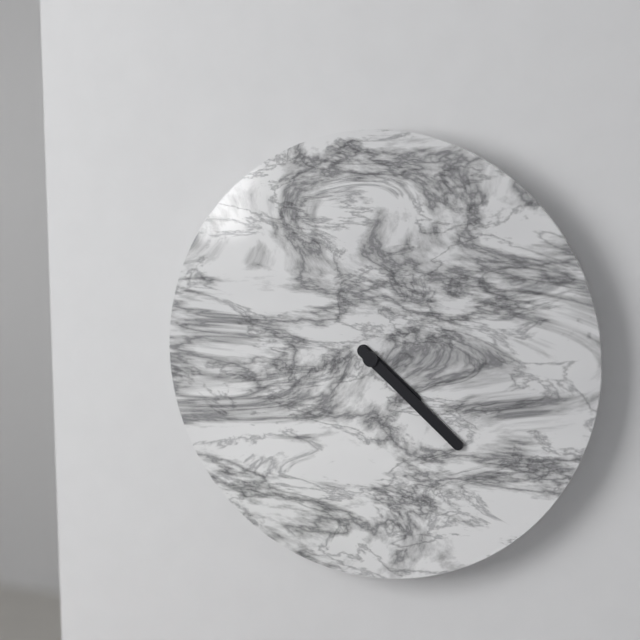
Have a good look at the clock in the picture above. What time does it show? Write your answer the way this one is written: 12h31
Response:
4h22
